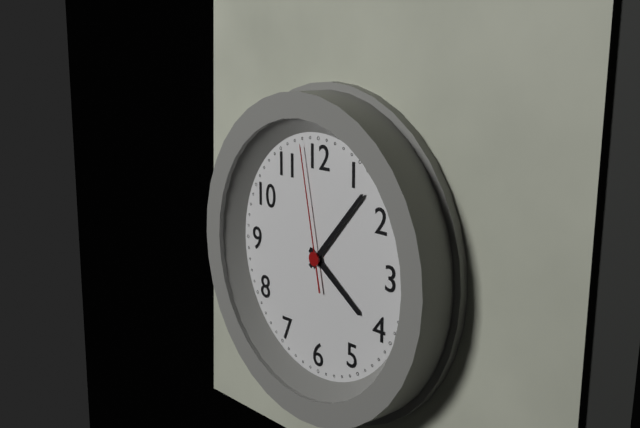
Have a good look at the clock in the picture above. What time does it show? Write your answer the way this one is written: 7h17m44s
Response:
4h07m58s
